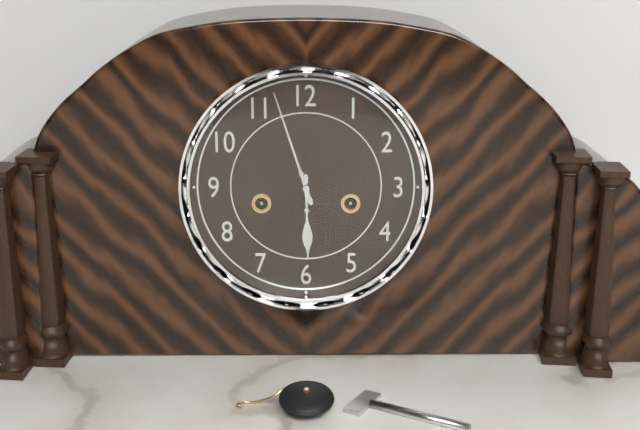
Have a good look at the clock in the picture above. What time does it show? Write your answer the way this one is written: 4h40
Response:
5h57
